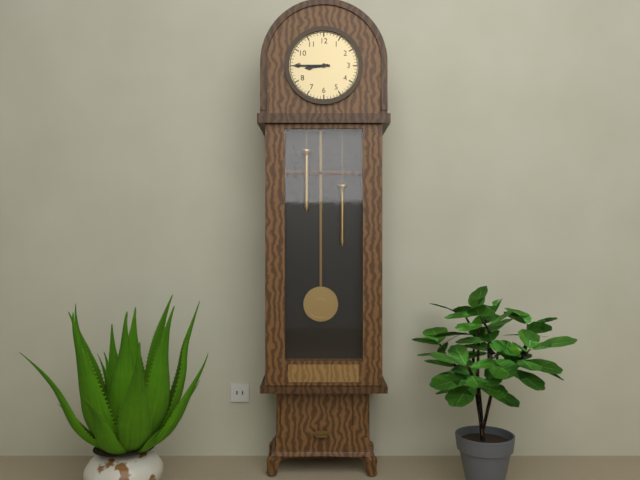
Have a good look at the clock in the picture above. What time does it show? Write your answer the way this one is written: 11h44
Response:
8h45
